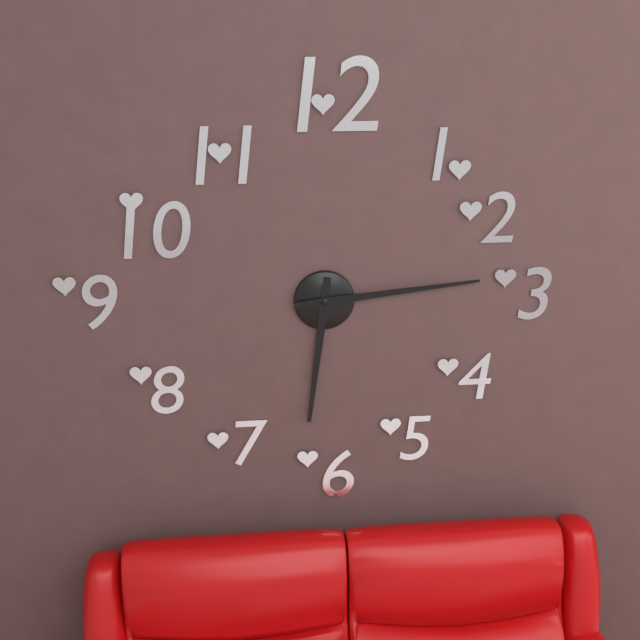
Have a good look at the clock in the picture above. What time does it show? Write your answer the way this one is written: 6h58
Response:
6h14
